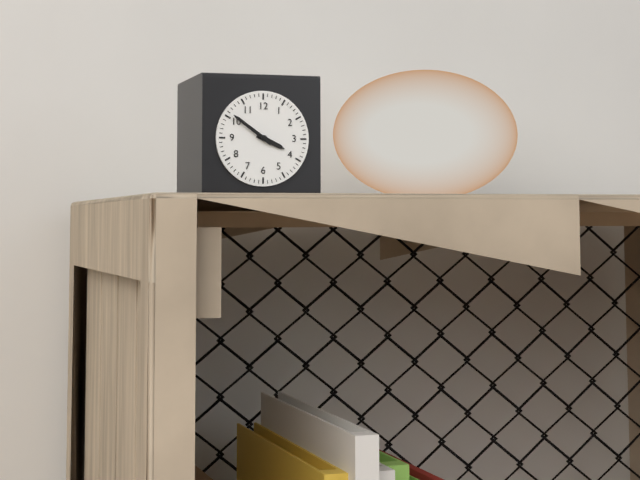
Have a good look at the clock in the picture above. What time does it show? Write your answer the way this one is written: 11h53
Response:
3h51
